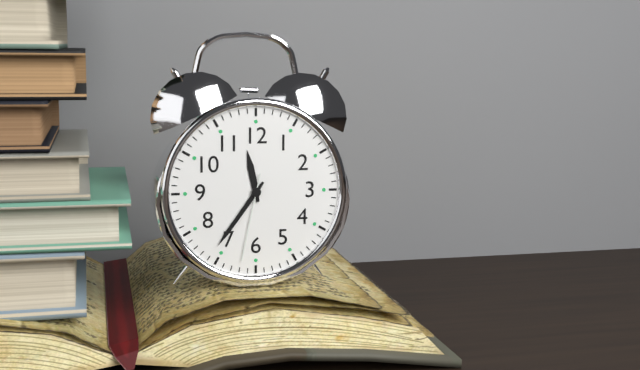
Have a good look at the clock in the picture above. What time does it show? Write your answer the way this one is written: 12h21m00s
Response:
11h36m32s
